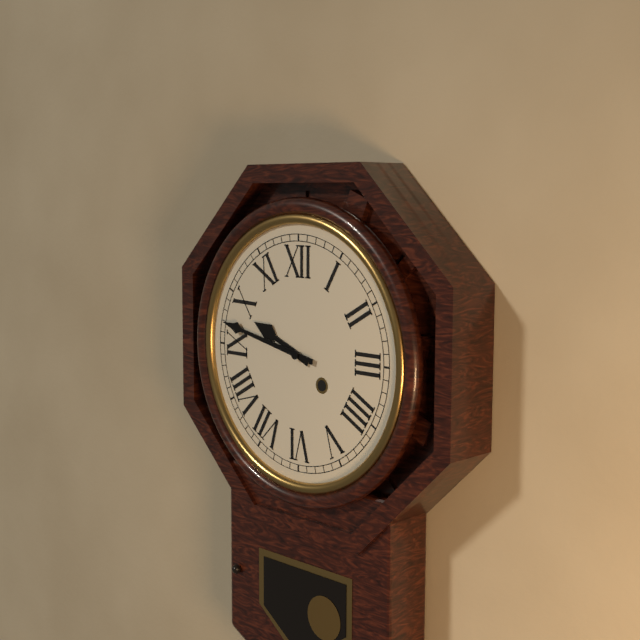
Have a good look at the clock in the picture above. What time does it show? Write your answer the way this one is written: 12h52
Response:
9h47
